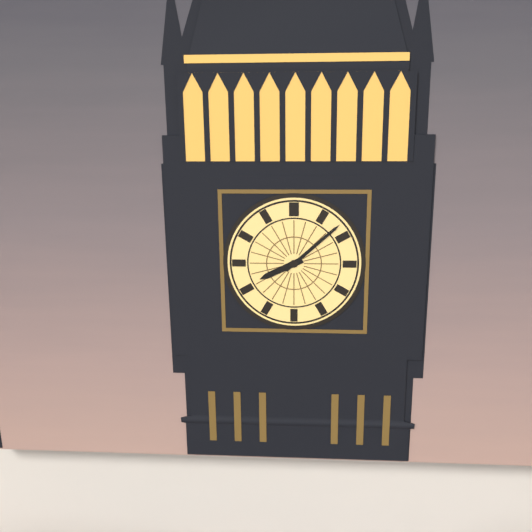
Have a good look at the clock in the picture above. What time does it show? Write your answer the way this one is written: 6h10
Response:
8h08
